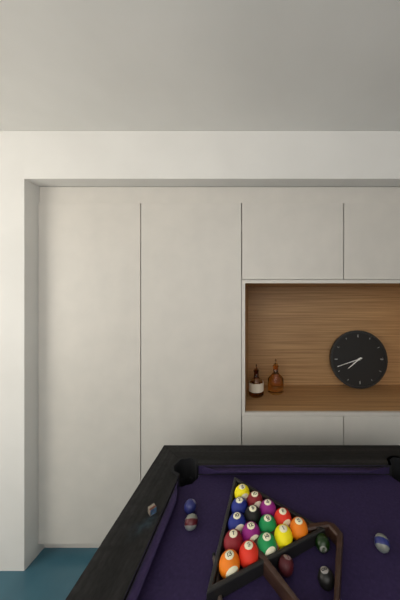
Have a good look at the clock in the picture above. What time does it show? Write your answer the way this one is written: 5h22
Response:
7h42
